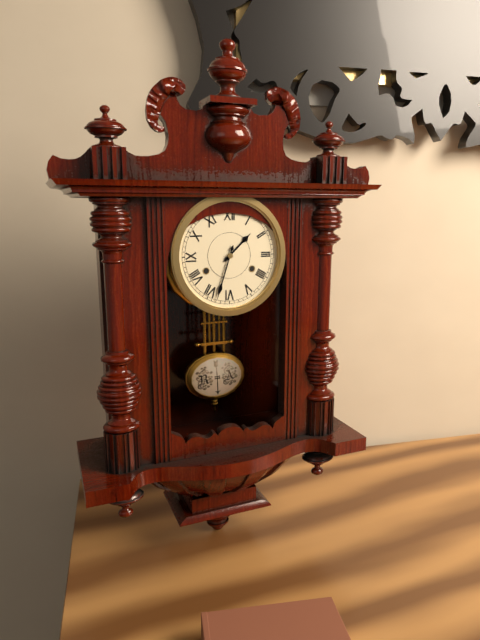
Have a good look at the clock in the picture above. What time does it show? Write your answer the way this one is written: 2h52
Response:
1h33
